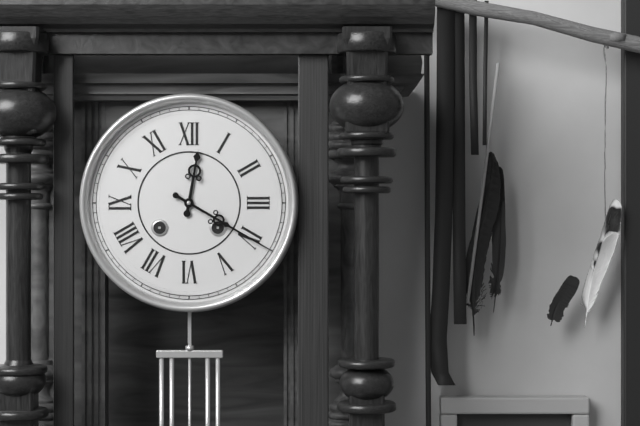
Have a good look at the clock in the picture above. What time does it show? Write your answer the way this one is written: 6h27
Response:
12h20
